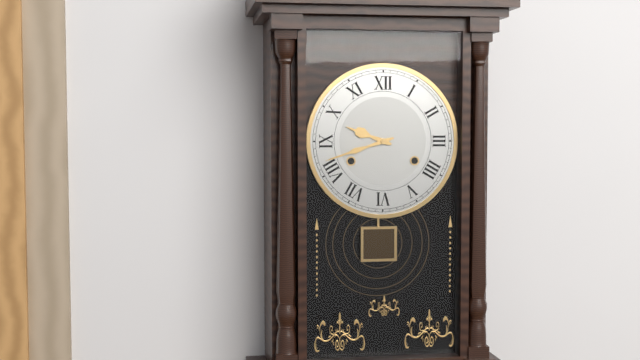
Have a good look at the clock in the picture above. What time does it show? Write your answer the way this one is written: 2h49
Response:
9h42
